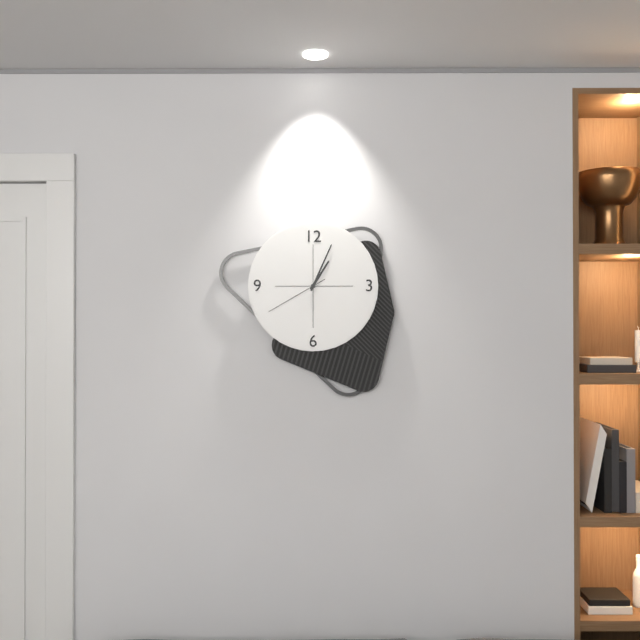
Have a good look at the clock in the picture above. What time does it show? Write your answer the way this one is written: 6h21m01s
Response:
1h04m40s
